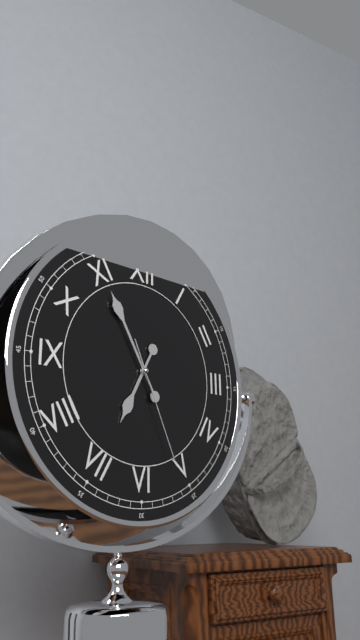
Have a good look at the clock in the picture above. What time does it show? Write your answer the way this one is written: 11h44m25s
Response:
6h55m26s
